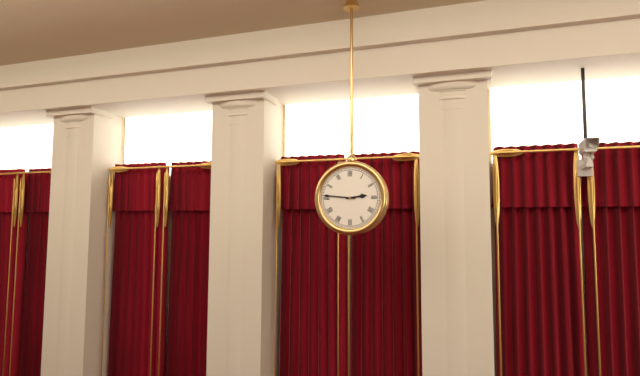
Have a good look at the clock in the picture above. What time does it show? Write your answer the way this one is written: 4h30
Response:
2h46
